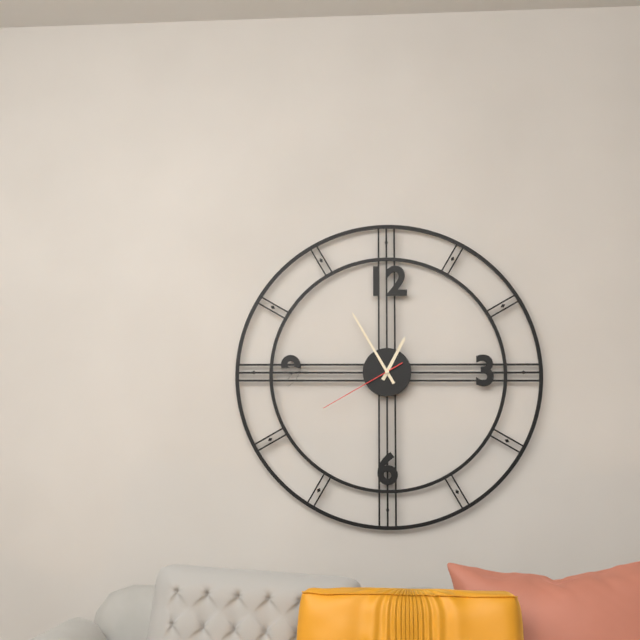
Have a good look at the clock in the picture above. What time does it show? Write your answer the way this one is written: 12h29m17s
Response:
12h55m40s
